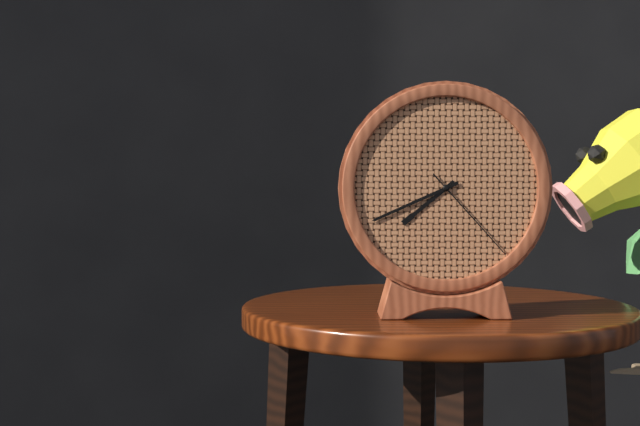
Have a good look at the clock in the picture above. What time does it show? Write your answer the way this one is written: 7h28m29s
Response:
7h41m23s
